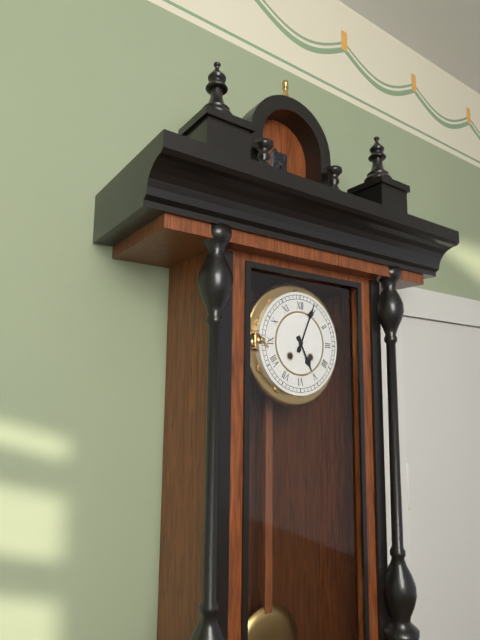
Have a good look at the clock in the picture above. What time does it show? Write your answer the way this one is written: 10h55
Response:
5h04
